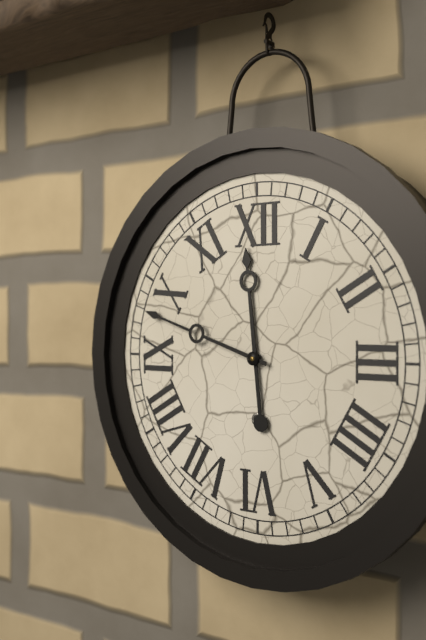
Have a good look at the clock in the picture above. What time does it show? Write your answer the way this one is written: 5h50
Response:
11h48
